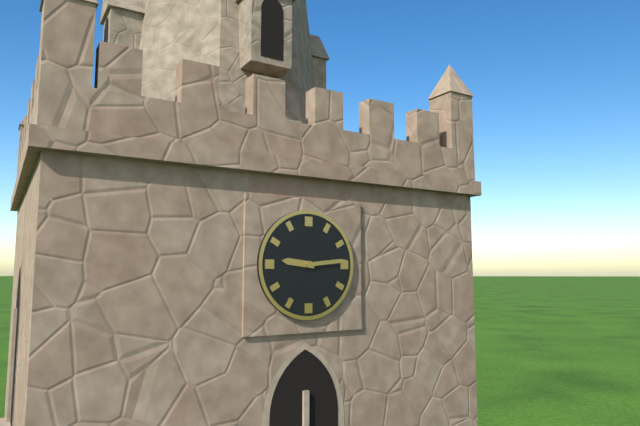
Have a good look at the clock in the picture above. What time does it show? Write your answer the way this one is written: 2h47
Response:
9h14
